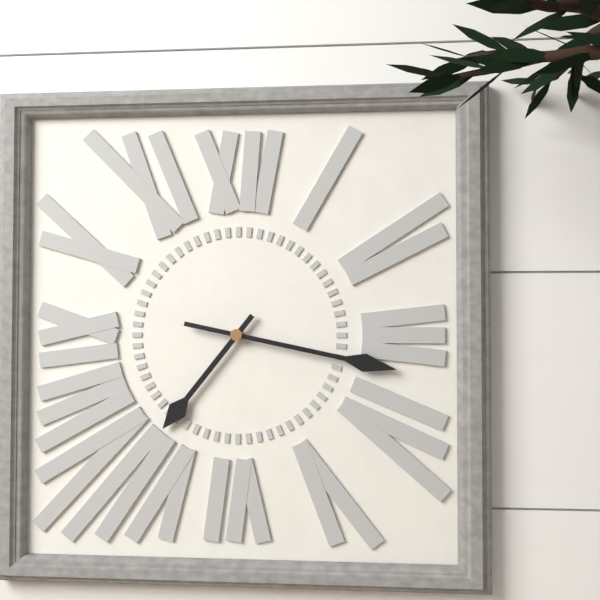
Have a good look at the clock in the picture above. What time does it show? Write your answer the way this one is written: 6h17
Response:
7h17
